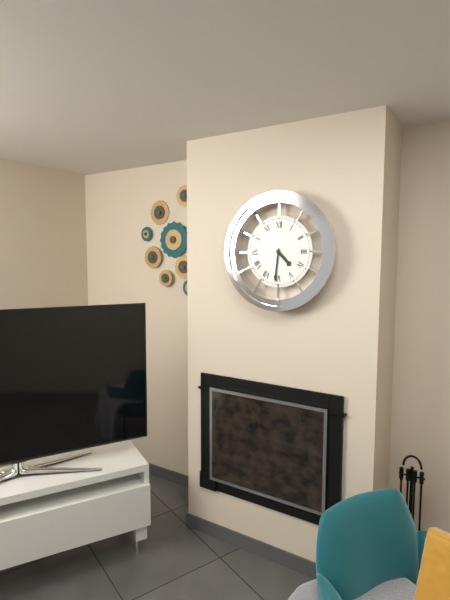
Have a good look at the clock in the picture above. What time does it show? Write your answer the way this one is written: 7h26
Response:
4h31
